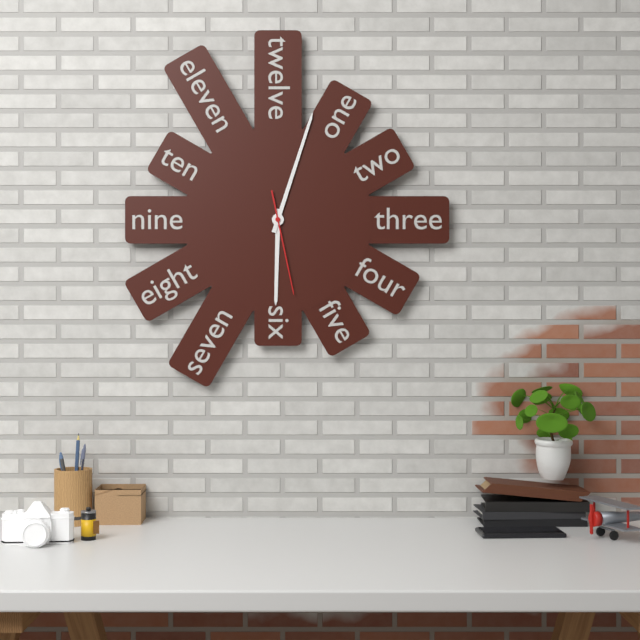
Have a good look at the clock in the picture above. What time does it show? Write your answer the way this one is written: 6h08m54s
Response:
6h03m28s
